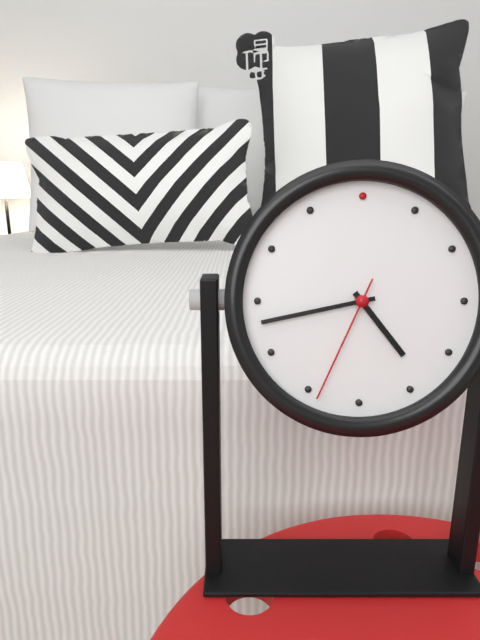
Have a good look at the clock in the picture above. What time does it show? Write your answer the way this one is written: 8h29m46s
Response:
4h43m34s
